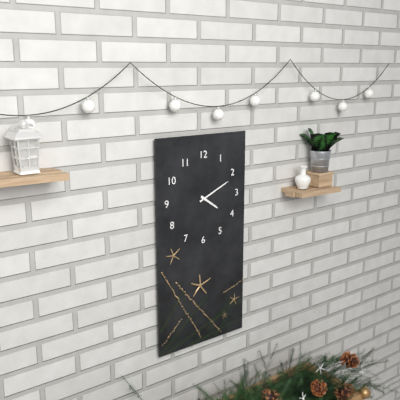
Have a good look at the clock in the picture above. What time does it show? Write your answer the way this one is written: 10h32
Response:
4h11
